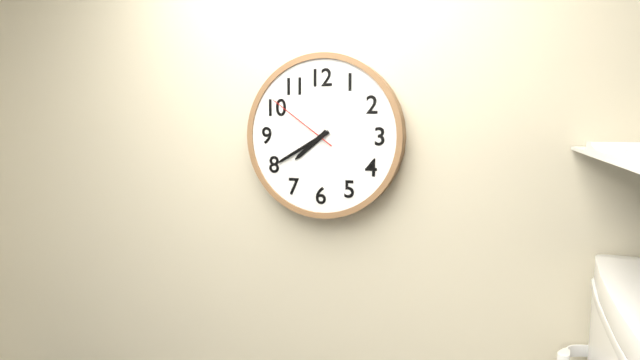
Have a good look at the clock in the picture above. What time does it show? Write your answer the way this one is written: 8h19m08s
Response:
7h40m51s
